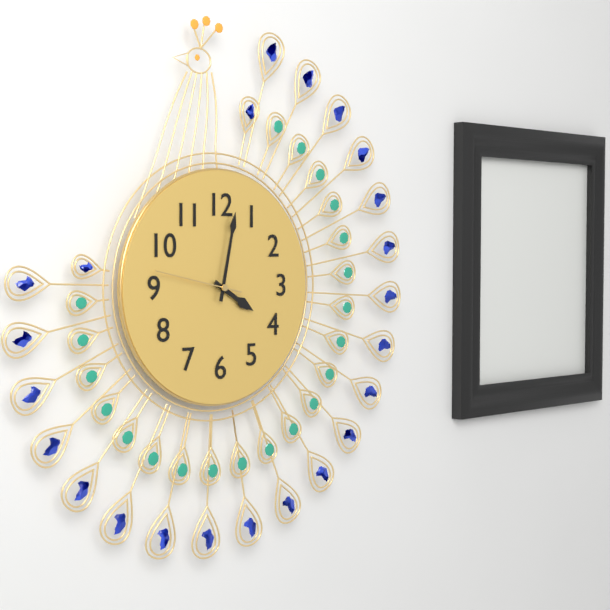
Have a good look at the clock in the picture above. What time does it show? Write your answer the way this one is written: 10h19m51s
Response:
4h02m47s
